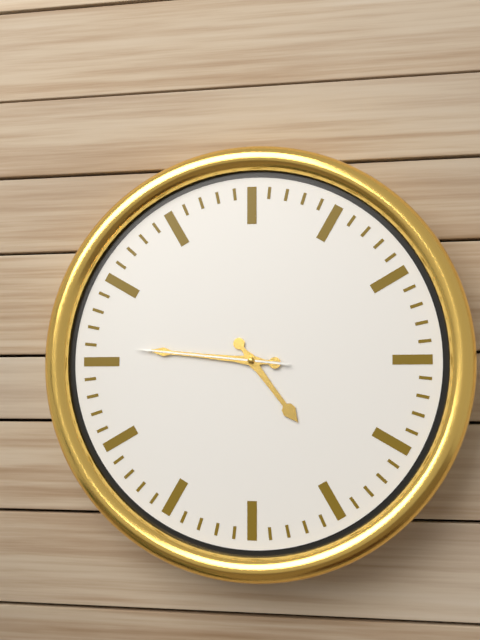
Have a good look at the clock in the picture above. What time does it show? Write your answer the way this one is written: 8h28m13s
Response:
4h46m46s
